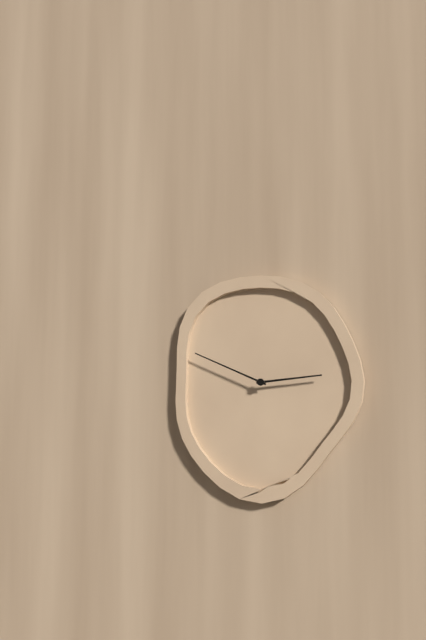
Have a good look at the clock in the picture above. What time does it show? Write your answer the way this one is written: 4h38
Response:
2h49
